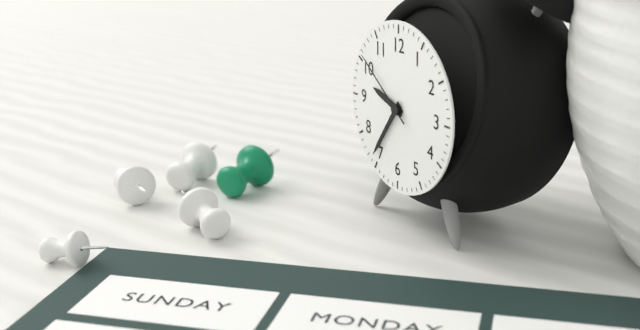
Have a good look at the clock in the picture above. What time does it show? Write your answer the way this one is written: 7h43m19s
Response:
9h36m51s
